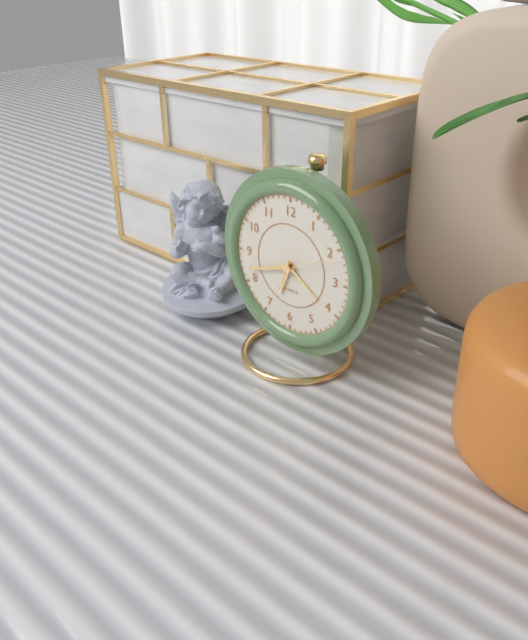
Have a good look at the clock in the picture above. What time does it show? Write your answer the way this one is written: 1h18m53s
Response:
6h42m11s
